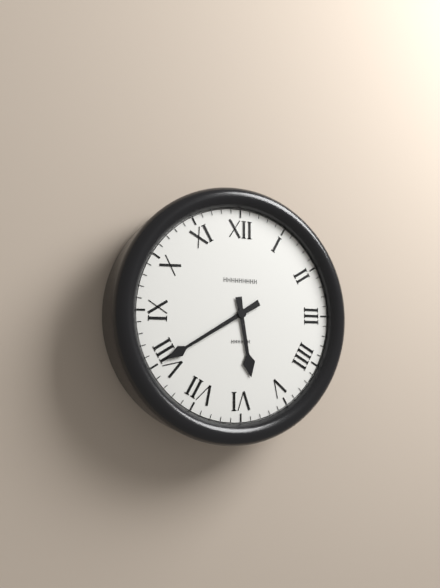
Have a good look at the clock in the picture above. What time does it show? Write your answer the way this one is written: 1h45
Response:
5h40
